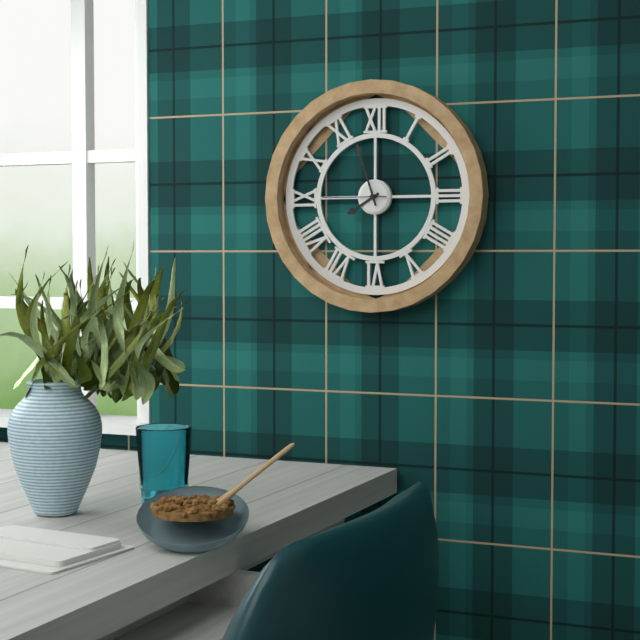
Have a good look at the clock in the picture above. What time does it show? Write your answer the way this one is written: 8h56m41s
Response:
7h57m45s
